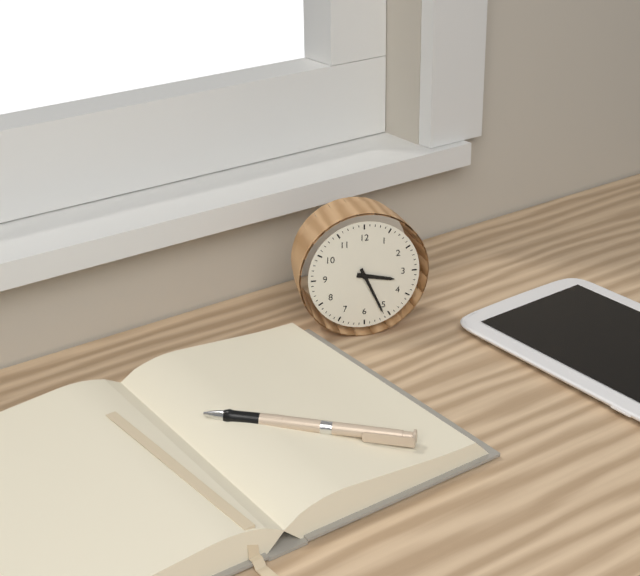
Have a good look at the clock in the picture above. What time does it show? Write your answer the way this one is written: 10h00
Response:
3h26
